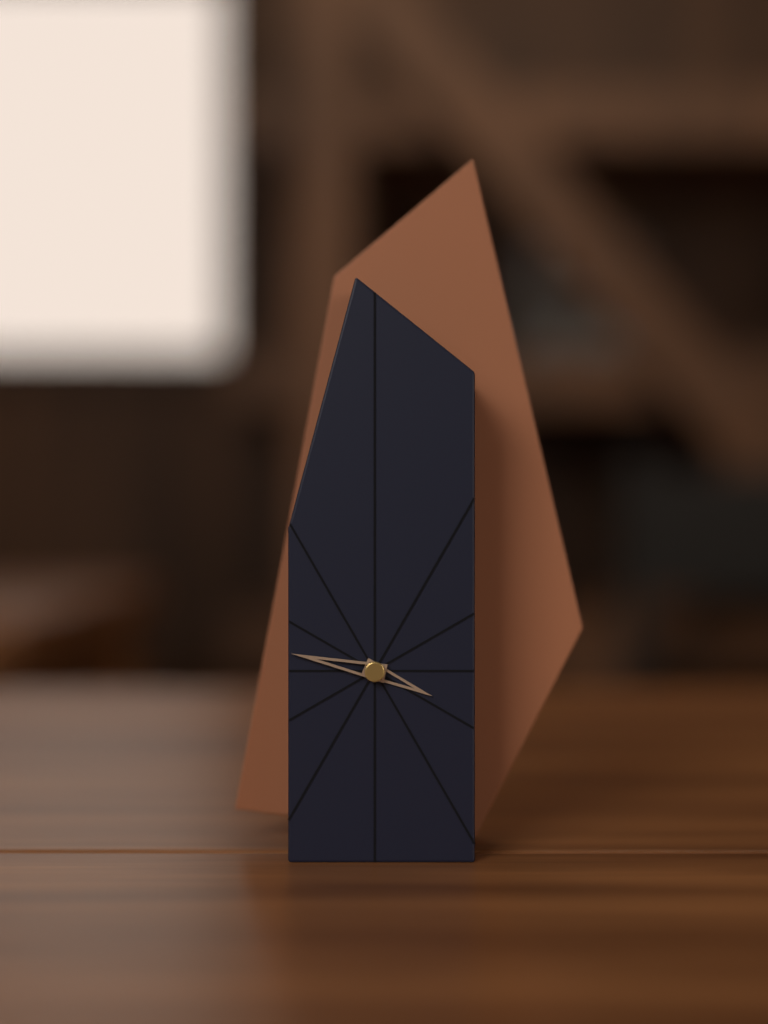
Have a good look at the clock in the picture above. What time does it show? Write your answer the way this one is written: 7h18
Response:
3h47
